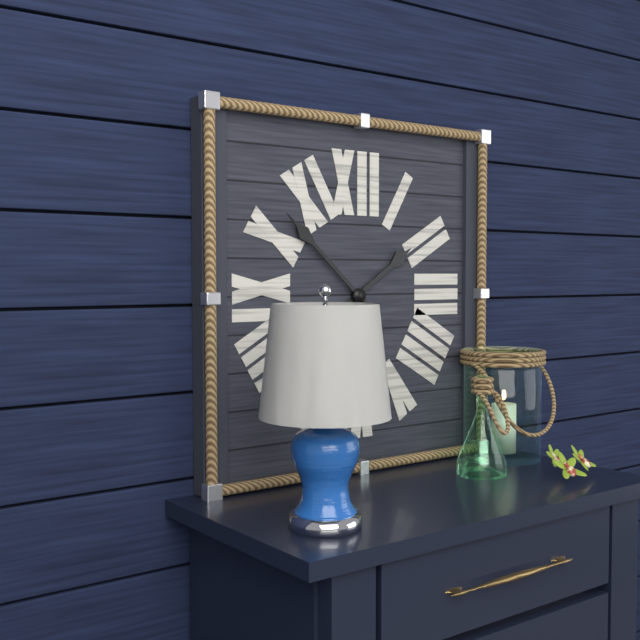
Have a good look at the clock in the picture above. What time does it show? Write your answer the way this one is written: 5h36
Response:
1h52
